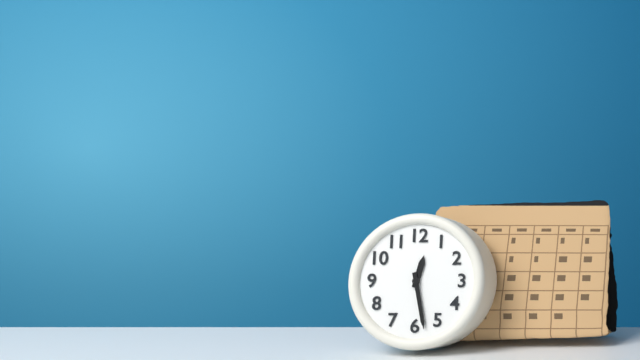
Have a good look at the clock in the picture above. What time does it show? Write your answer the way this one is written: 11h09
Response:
12h28
